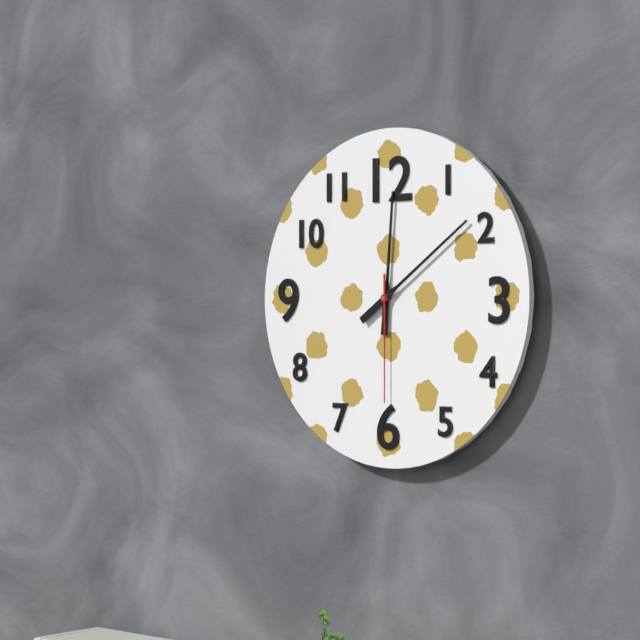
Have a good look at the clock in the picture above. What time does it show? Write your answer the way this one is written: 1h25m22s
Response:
12h09m30s
